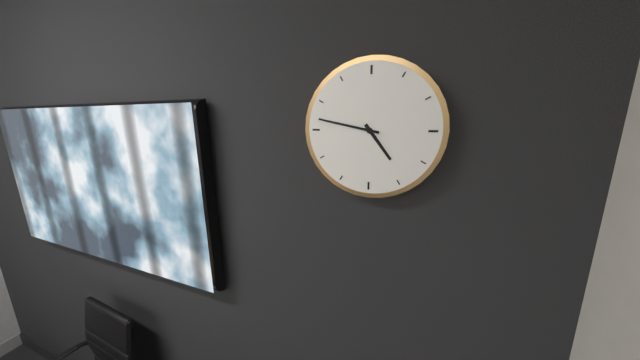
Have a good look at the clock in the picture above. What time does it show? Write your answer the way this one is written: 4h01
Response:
4h47
